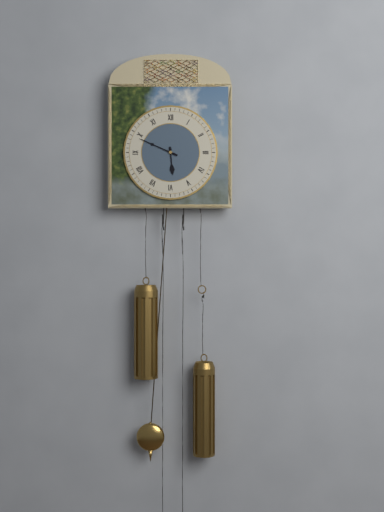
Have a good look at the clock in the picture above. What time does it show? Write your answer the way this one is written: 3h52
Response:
5h49
